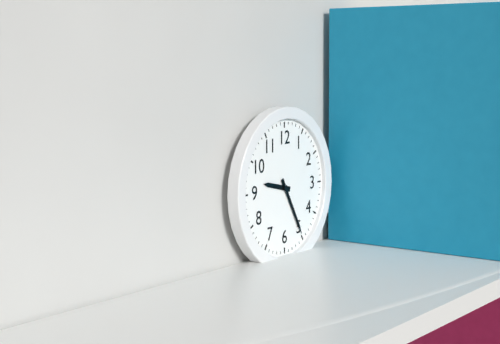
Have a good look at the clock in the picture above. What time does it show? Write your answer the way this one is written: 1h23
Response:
9h25
